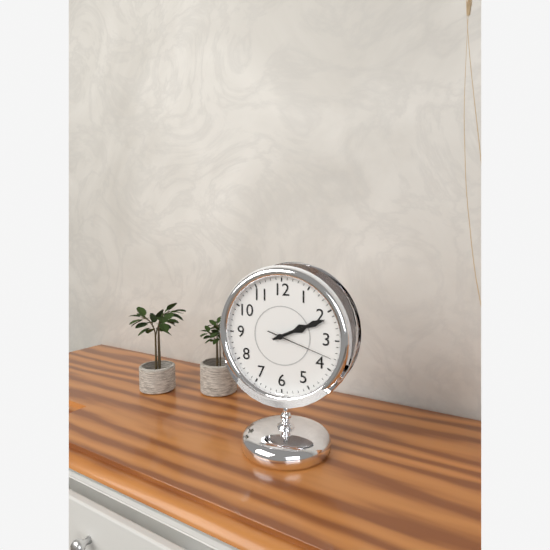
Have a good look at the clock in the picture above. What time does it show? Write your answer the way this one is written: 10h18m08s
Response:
2h11m18s
